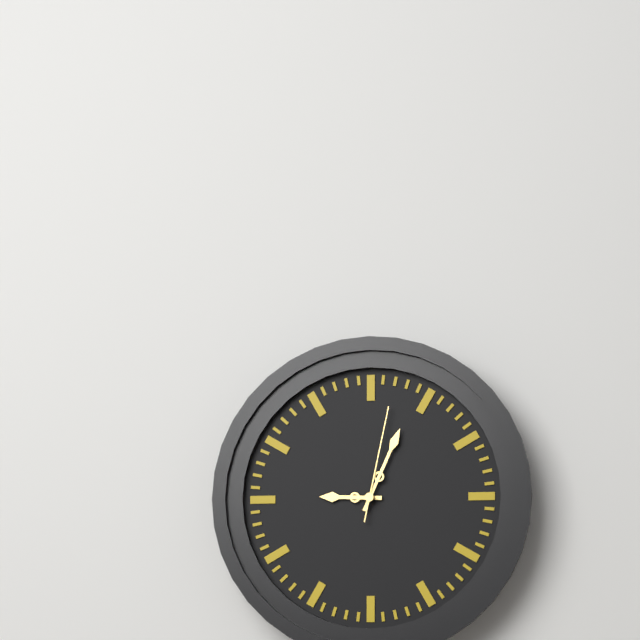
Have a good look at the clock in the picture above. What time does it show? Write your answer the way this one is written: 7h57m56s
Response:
9h04m02s
